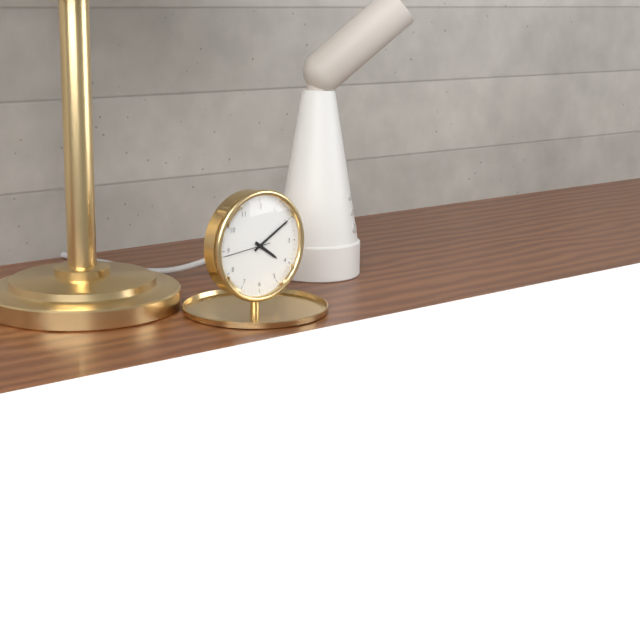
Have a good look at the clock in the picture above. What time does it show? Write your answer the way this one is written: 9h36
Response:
4h10
